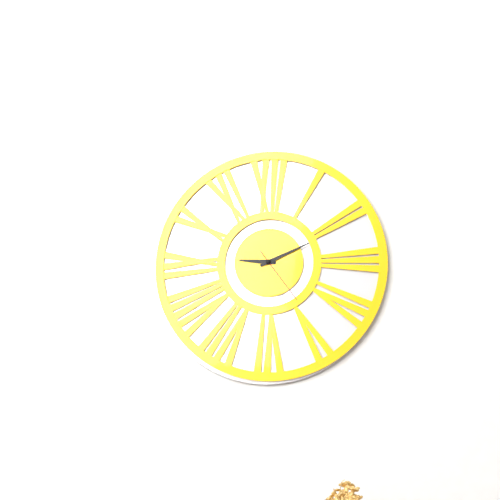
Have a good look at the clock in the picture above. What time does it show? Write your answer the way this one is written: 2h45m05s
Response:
9h11m24s
